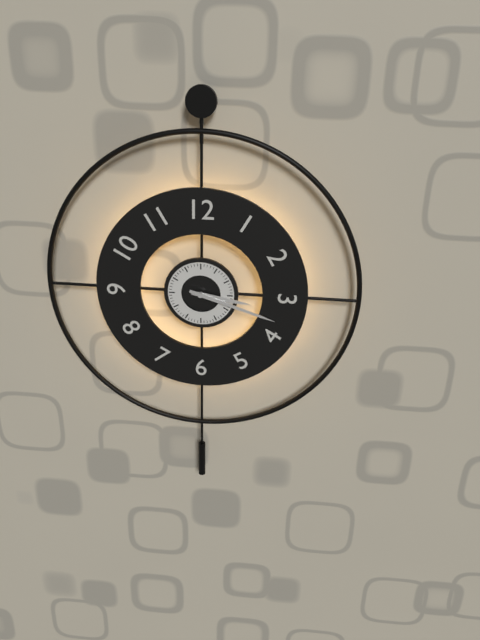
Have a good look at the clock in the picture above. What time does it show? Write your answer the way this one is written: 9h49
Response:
3h18
